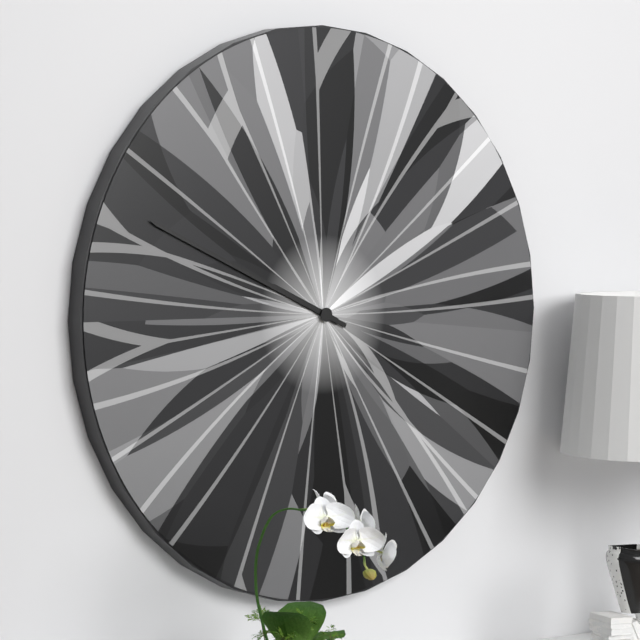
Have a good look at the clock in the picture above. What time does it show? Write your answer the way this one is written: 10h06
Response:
9h49
